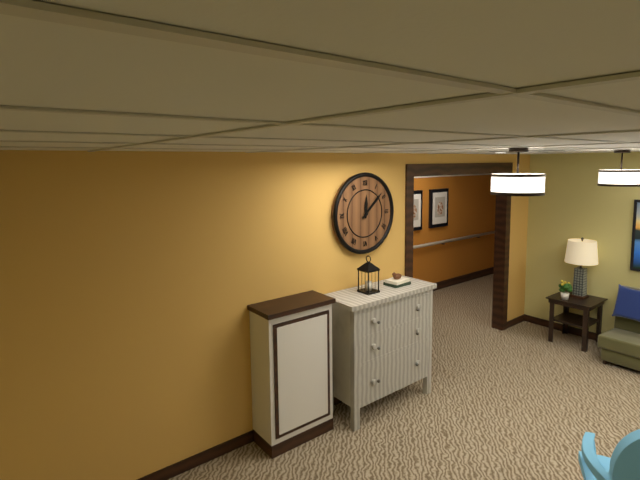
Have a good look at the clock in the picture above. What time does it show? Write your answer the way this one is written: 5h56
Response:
12h08
